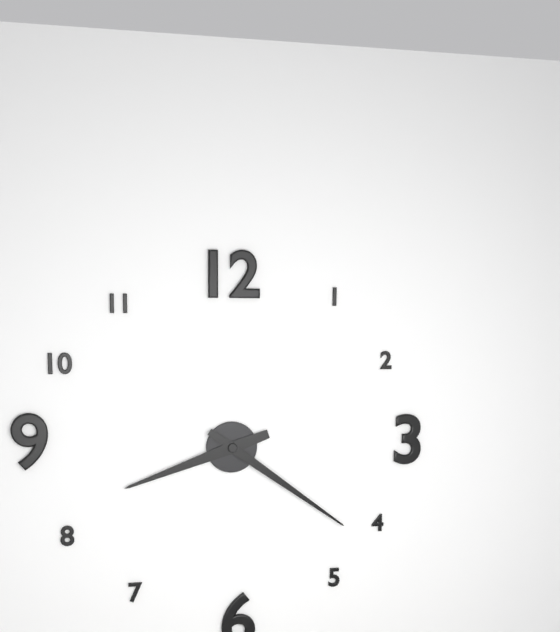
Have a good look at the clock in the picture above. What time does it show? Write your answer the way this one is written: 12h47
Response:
8h21
